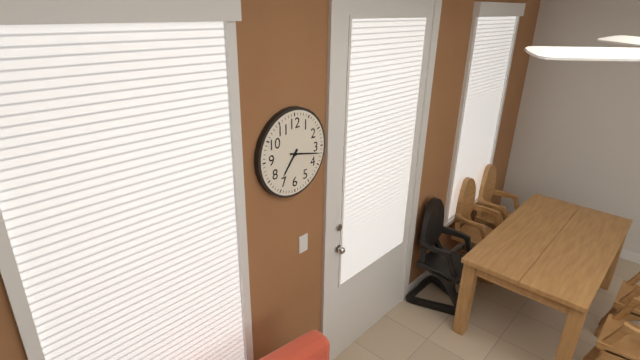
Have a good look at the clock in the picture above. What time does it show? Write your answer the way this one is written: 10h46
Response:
7h17
